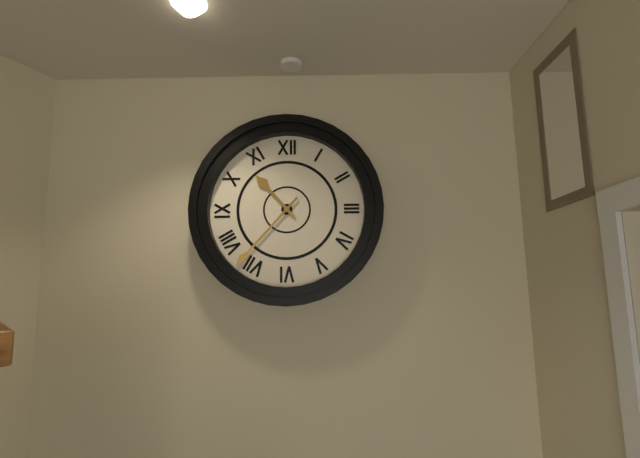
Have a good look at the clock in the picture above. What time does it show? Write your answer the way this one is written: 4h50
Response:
10h37
